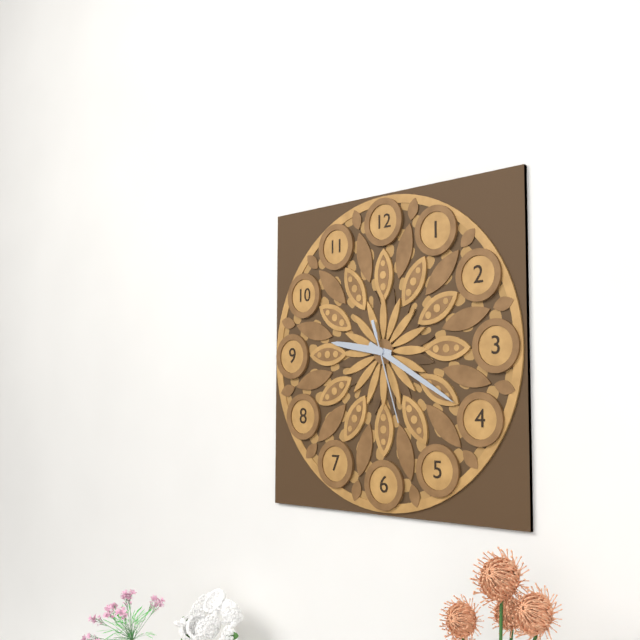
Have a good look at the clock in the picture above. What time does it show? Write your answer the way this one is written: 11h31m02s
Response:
9h20m27s
